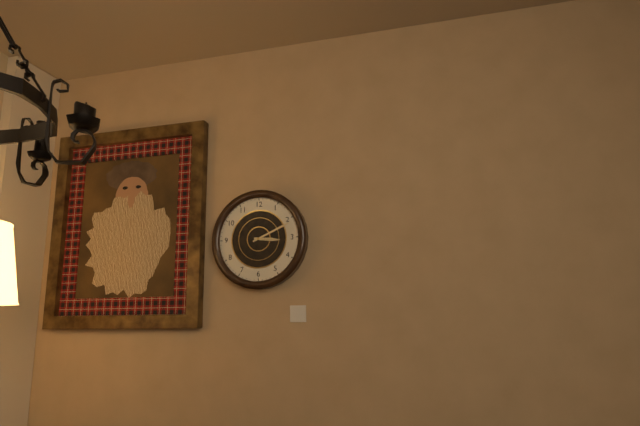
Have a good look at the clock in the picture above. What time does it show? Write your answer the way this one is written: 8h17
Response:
3h11
